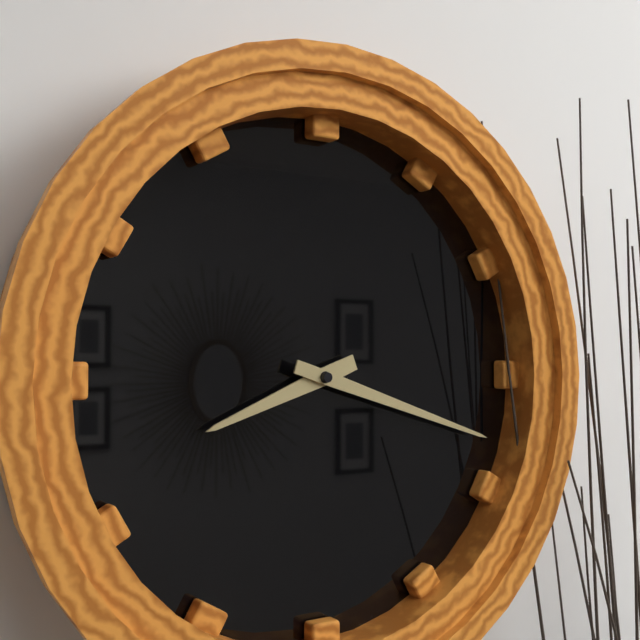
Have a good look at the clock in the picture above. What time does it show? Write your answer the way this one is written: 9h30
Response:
8h18
